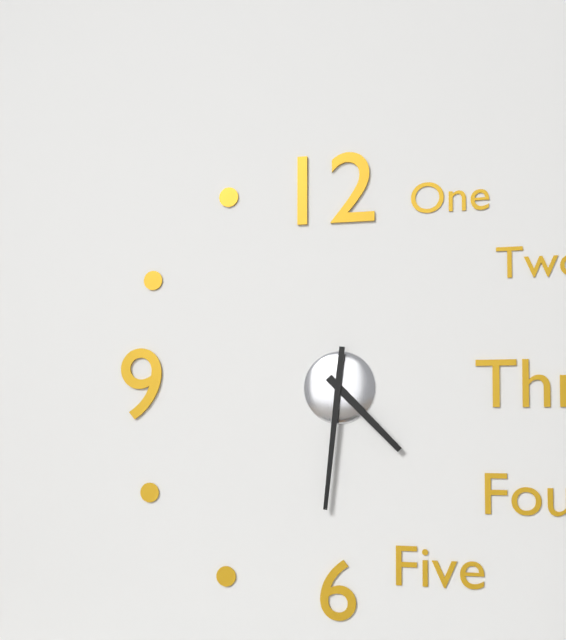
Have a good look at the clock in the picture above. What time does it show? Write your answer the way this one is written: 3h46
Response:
4h31
